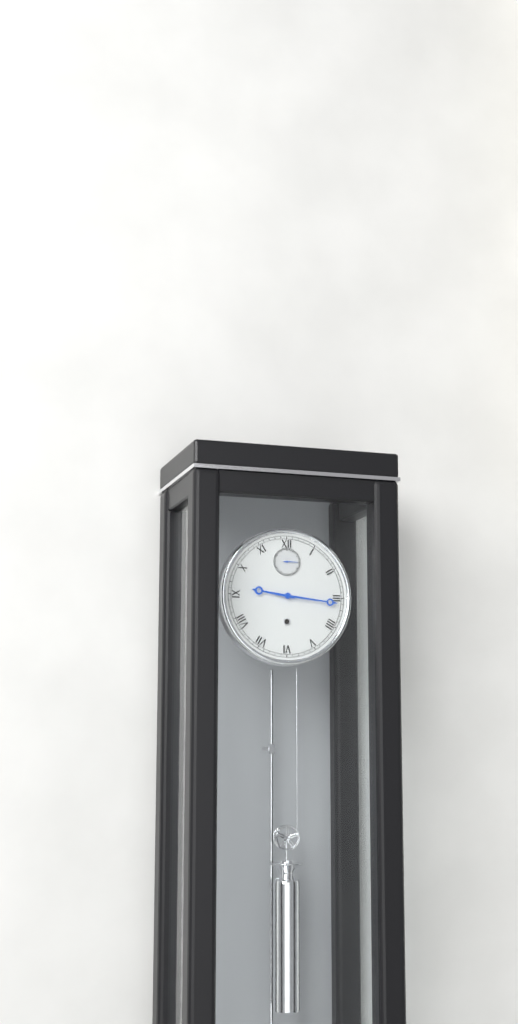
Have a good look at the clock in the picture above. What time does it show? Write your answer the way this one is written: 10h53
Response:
9h16
